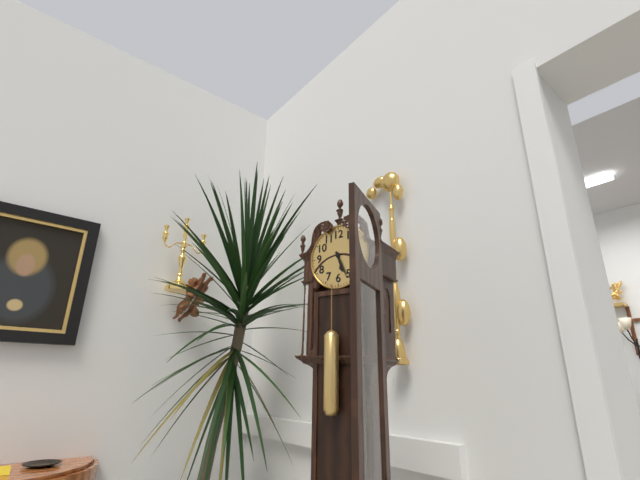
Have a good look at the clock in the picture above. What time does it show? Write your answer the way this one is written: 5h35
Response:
5h26
